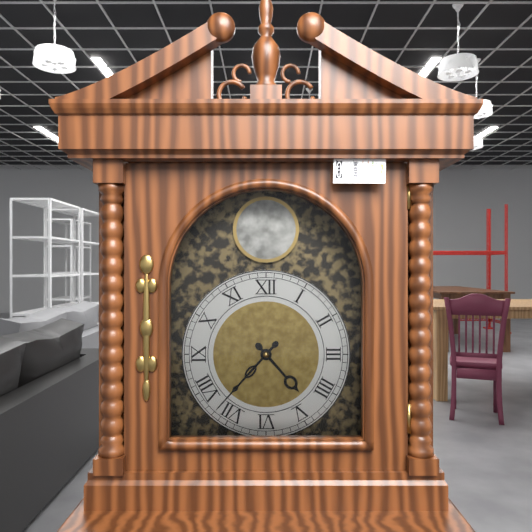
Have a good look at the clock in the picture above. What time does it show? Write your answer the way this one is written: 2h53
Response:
4h37
